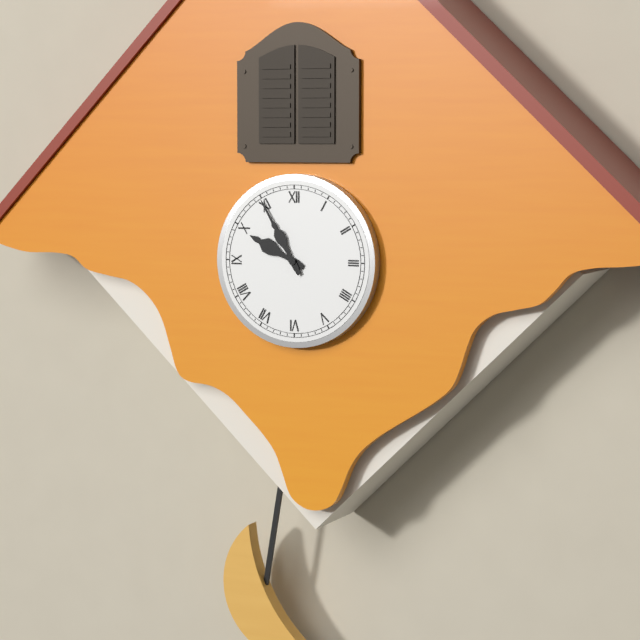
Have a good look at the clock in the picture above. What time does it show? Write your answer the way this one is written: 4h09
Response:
9h55
